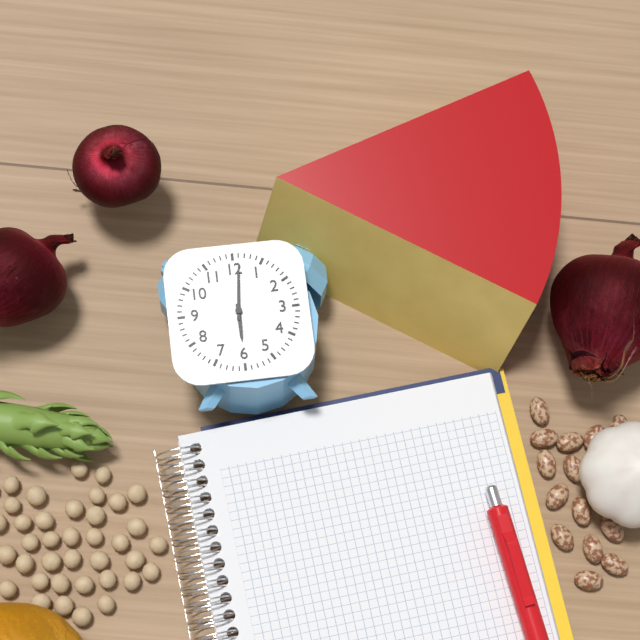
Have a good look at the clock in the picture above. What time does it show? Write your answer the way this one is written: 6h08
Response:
6h01
